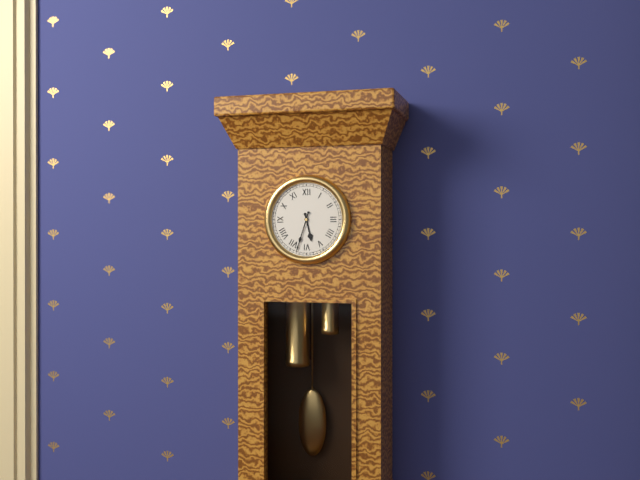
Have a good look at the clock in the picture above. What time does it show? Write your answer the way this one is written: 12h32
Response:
5h33
